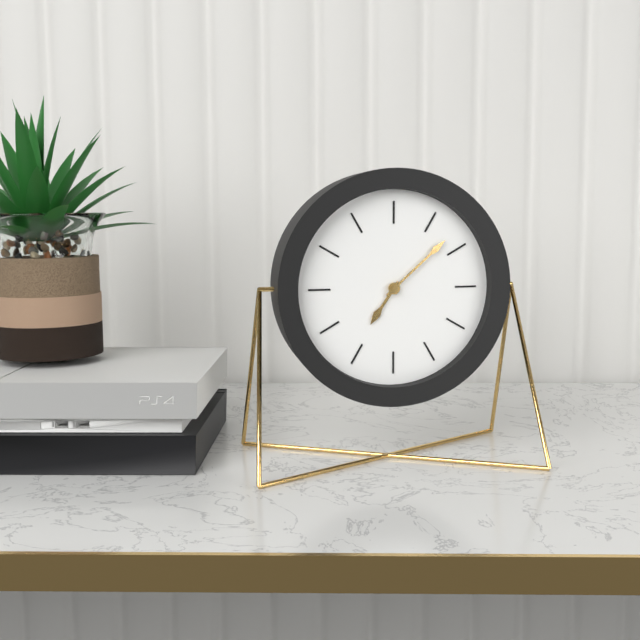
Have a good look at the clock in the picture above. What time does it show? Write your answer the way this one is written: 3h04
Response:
7h08
